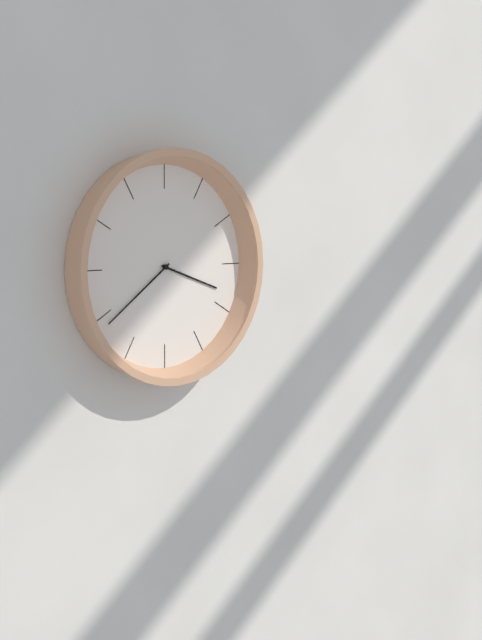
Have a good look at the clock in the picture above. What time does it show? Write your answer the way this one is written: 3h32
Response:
3h39
